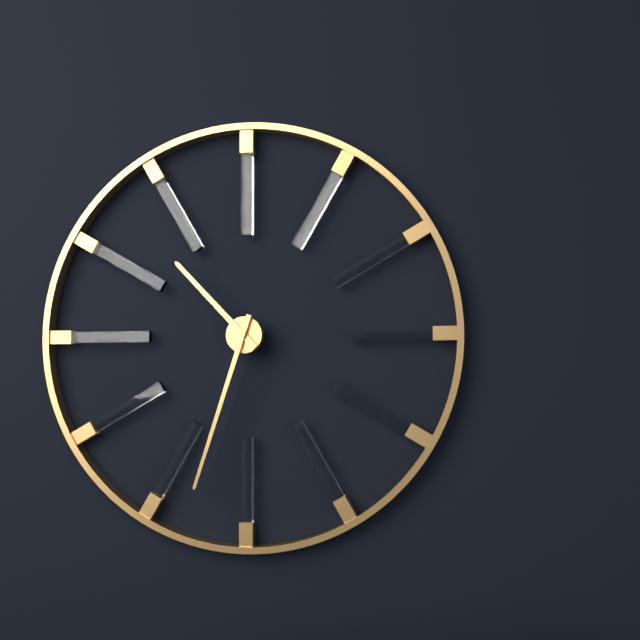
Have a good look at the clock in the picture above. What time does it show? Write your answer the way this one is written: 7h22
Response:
10h33
